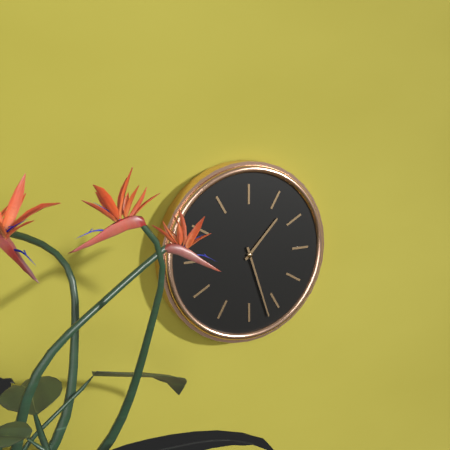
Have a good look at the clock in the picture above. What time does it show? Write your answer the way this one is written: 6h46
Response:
1h27
